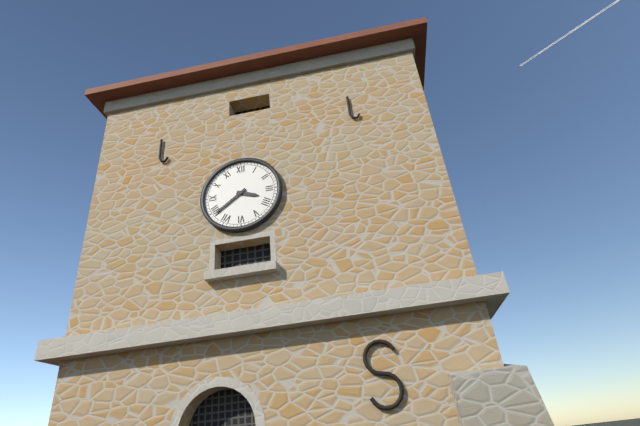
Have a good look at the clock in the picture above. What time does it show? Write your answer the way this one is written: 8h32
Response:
3h39
